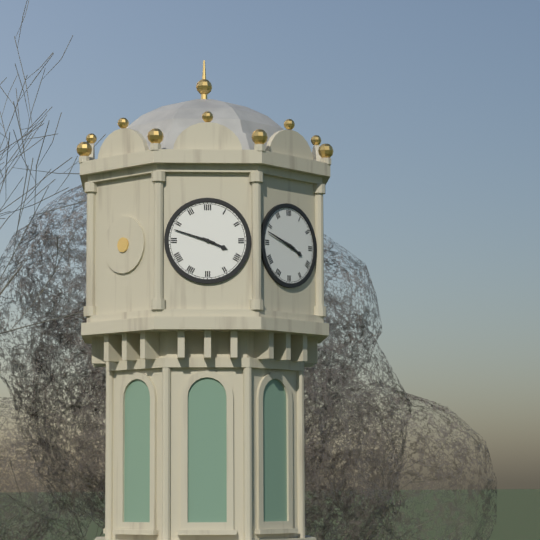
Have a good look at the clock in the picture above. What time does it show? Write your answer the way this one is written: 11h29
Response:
3h48
